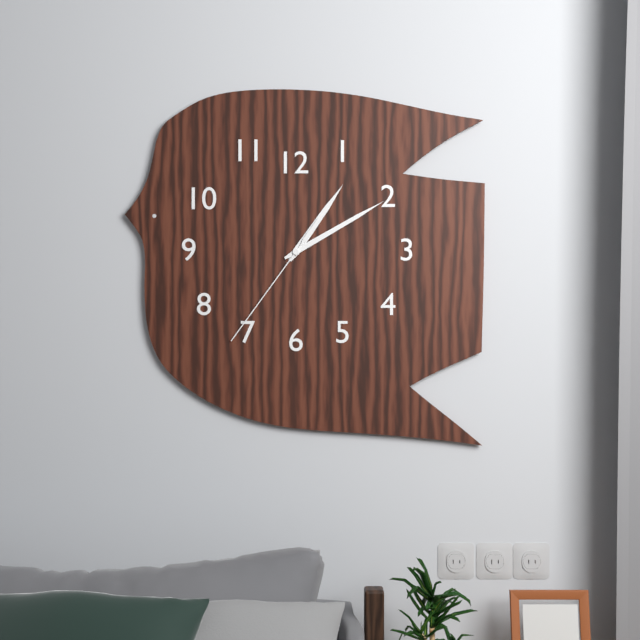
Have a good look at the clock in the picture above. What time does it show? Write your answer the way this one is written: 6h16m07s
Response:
1h10m36s
